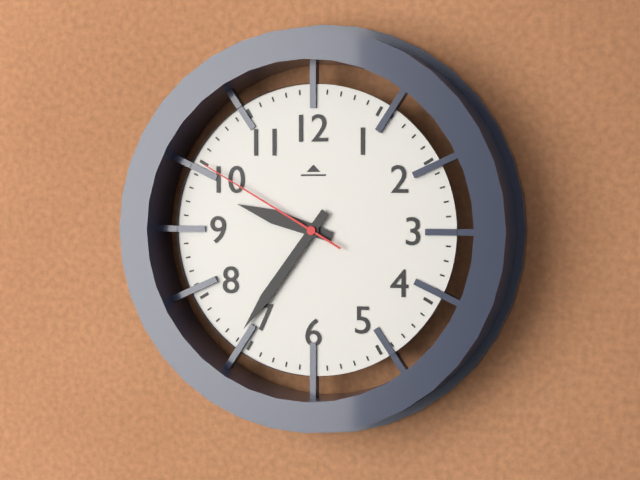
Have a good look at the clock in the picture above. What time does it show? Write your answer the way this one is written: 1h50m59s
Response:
9h36m50s
